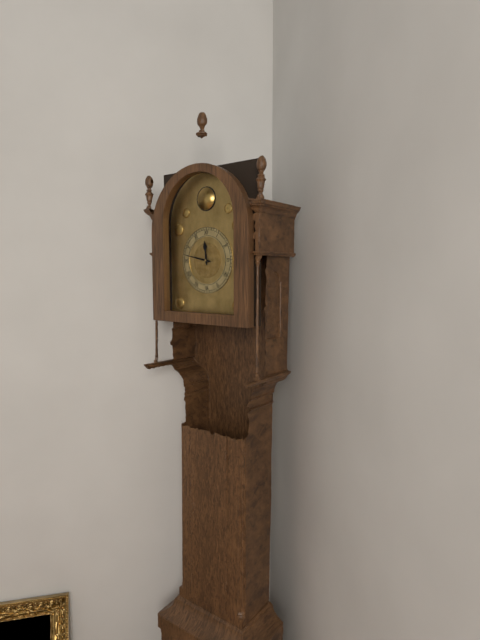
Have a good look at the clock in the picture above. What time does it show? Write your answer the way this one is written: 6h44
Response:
11h47
